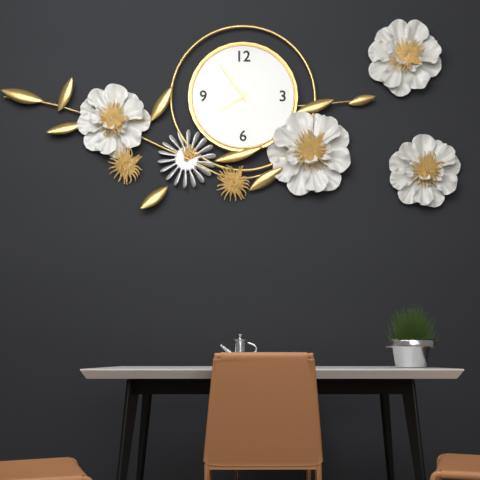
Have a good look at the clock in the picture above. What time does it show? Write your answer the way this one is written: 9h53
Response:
7h54
